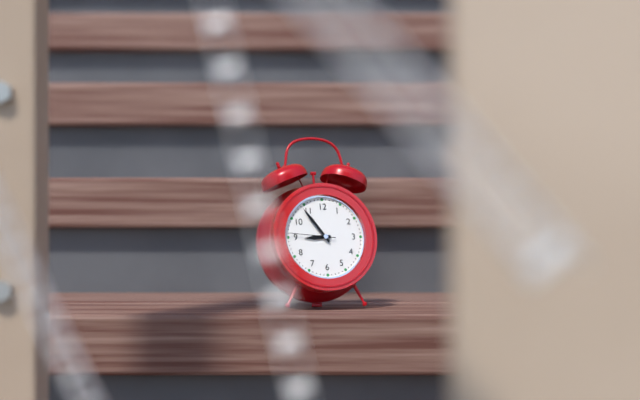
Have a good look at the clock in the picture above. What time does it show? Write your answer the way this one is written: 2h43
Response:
8h54
